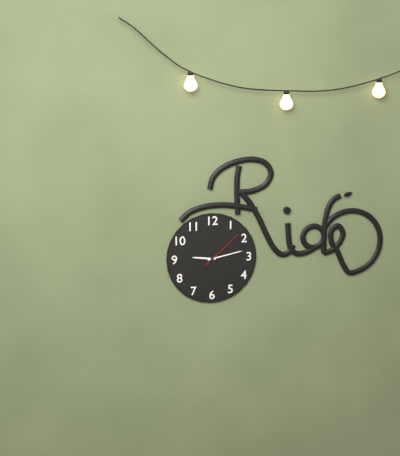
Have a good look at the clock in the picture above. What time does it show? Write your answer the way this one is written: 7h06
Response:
9h13
